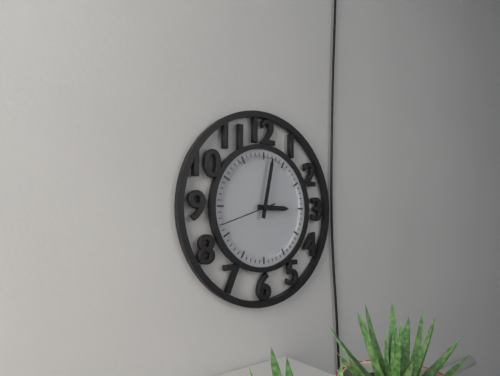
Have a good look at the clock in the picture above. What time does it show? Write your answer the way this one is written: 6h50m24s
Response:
3h02m42s
